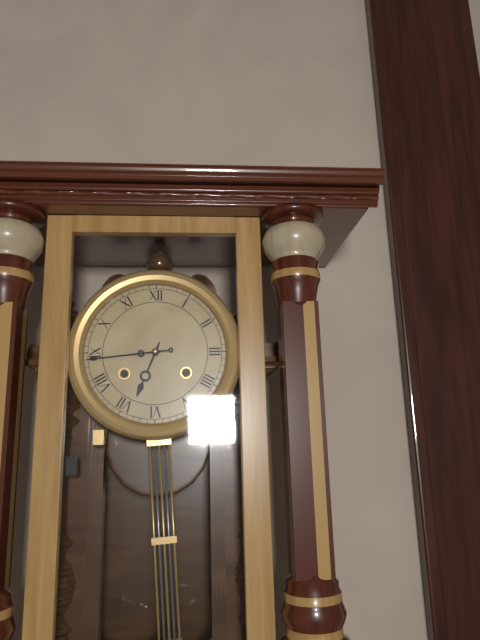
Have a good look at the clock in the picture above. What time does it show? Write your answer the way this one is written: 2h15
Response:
6h44
